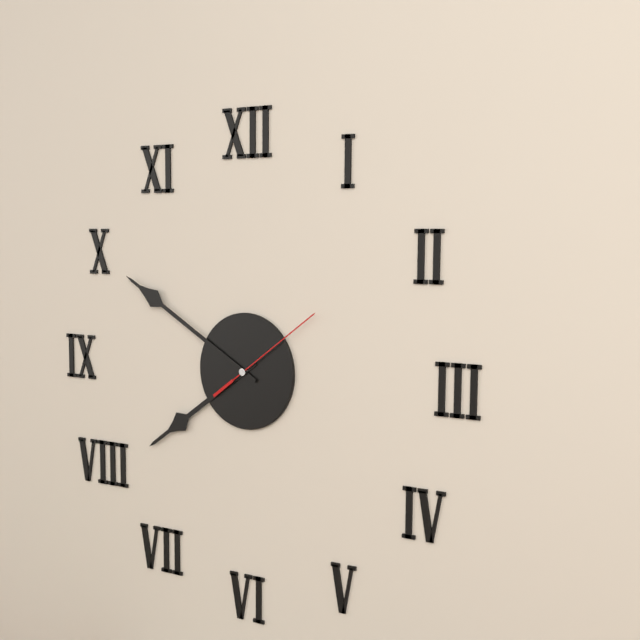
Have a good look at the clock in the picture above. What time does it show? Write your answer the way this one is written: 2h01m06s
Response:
7h50m09s
